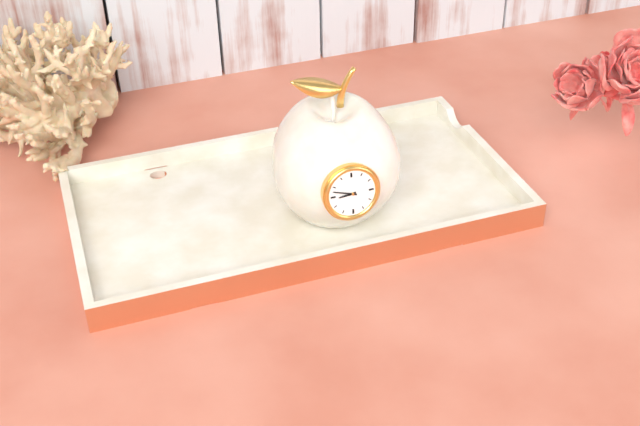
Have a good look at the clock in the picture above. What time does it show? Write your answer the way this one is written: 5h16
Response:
8h48
